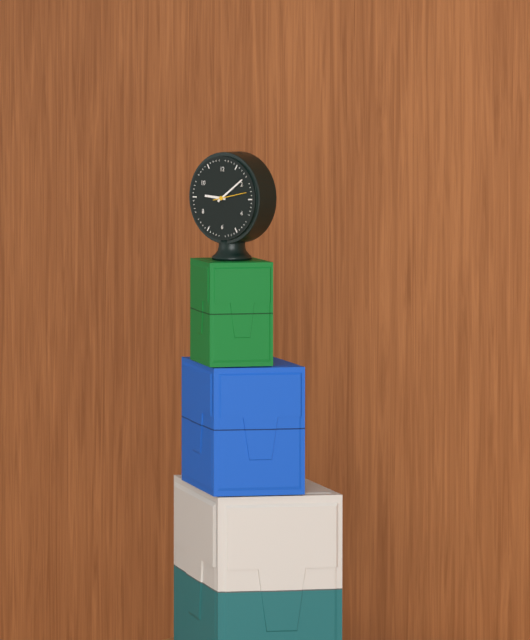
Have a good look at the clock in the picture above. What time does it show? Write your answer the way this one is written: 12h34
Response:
9h09
